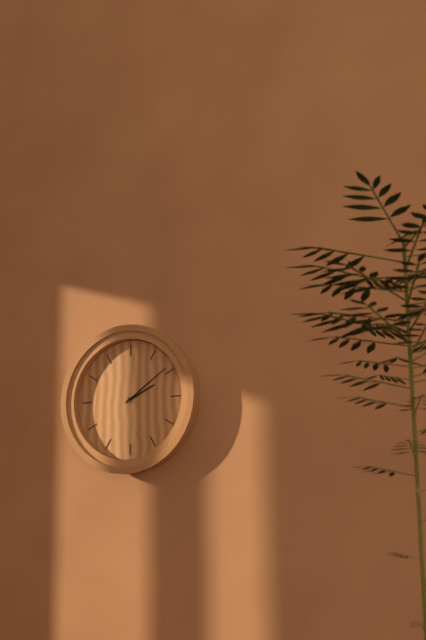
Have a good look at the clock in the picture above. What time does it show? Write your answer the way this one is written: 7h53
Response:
2h09
